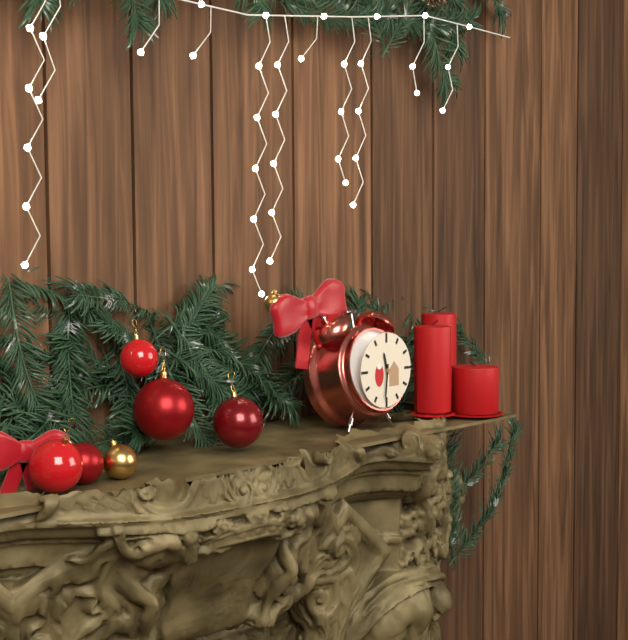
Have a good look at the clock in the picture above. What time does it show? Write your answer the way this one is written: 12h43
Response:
11h31
